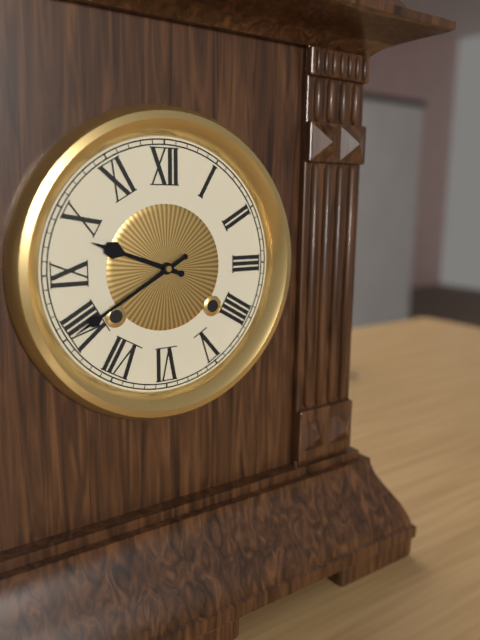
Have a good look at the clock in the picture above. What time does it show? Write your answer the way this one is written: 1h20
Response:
9h40
